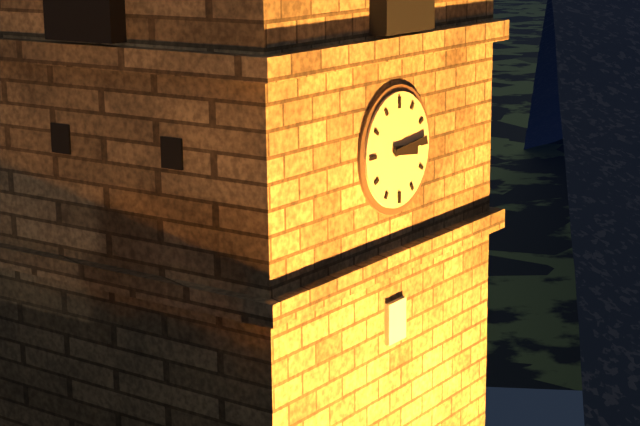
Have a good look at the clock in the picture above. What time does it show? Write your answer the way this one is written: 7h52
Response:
3h14
